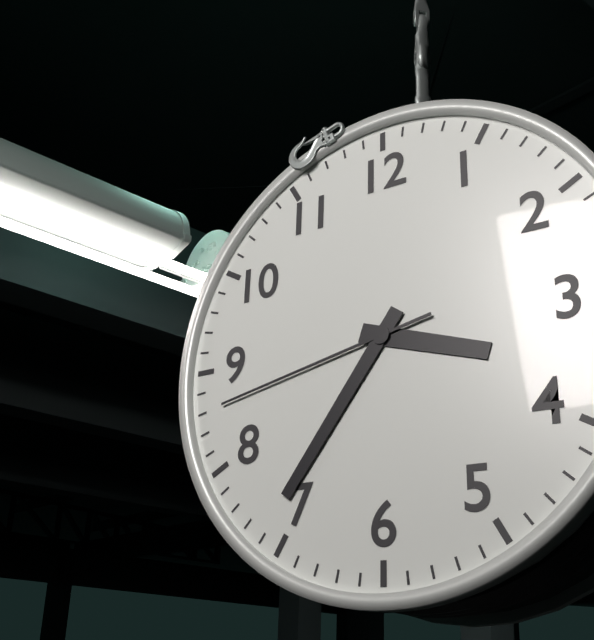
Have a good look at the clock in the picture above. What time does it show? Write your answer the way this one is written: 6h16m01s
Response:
3h36m43s
